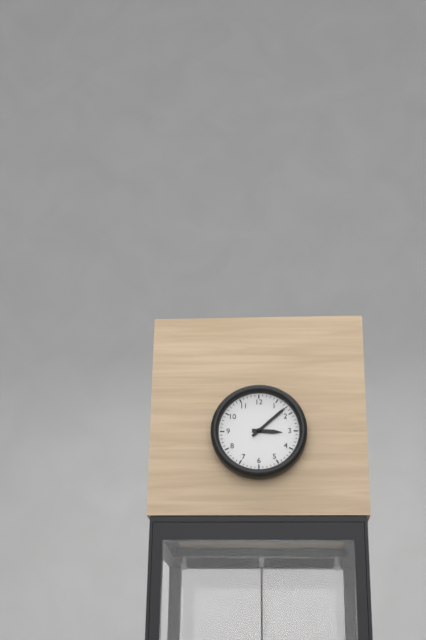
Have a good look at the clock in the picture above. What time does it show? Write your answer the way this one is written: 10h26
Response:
3h08
